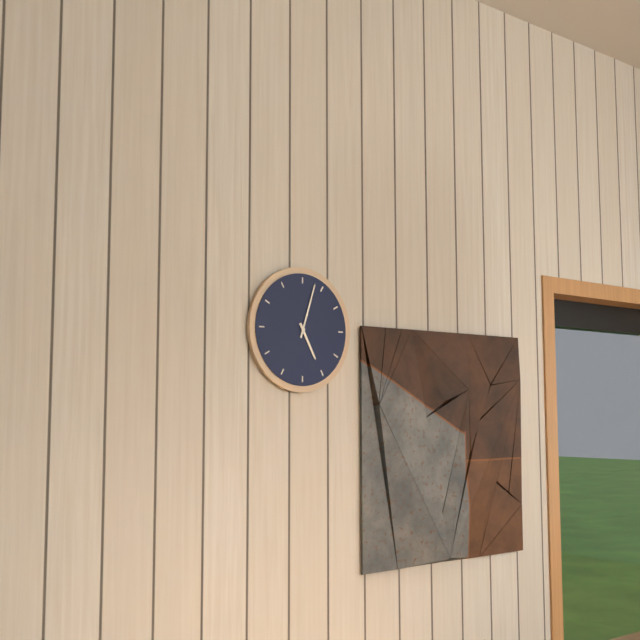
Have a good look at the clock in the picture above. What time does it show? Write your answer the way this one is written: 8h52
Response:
5h03
